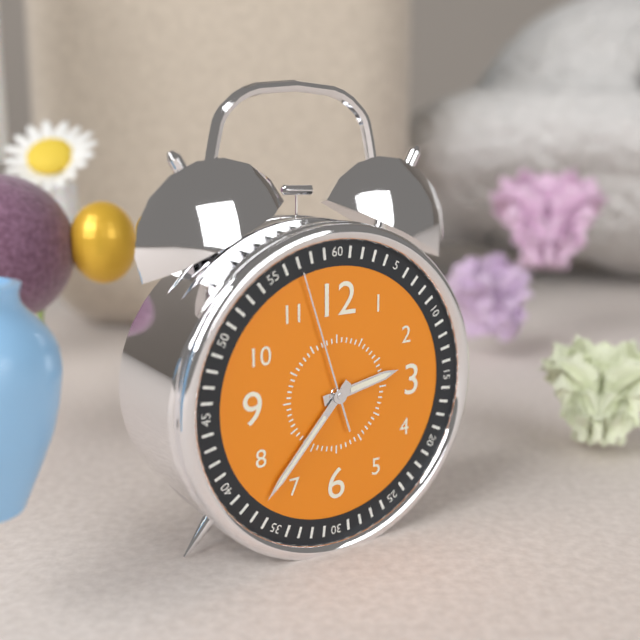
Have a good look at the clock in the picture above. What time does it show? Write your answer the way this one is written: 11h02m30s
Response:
2h37m57s
